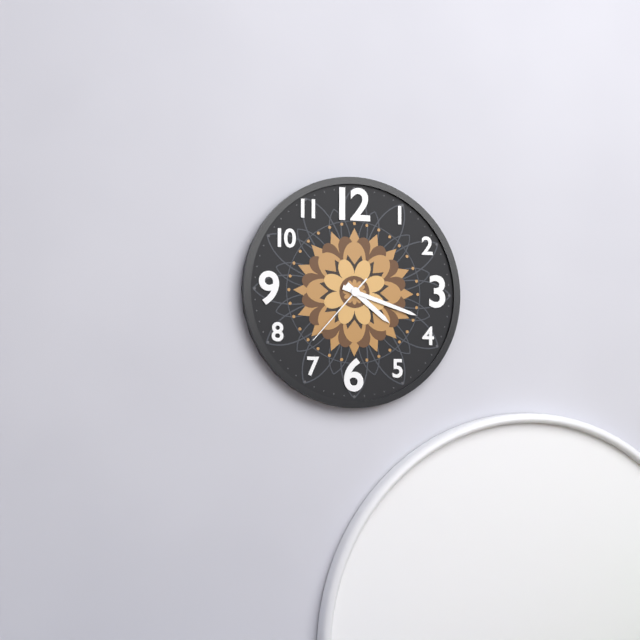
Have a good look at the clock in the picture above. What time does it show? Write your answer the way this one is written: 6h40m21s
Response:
4h18m37s
